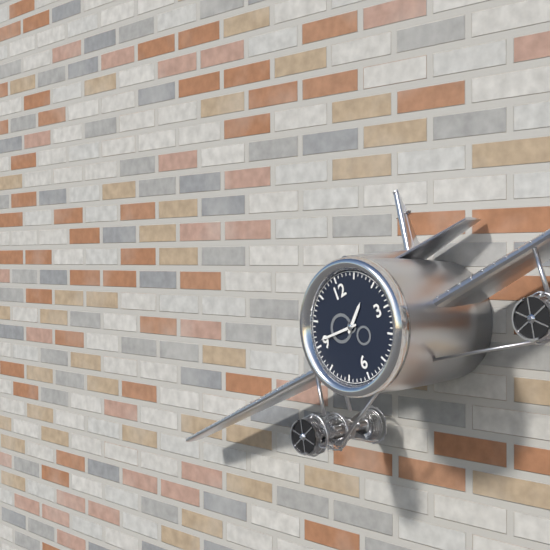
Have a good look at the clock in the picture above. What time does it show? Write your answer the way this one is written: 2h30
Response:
1h46
